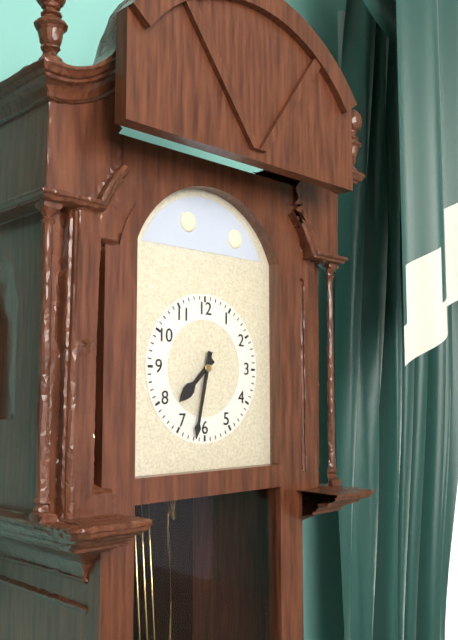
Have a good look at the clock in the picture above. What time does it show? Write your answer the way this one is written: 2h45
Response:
7h32
